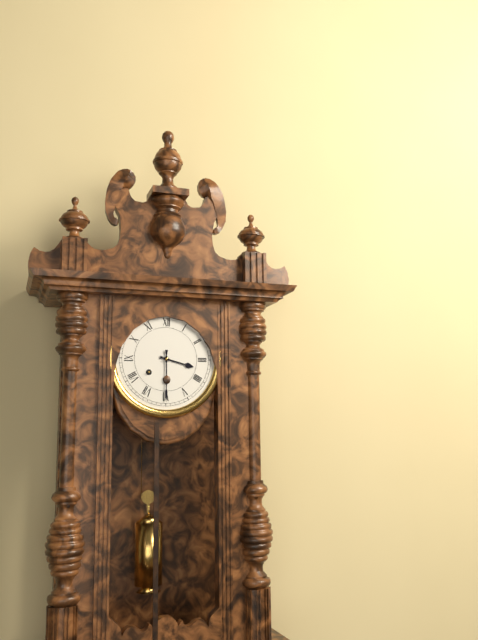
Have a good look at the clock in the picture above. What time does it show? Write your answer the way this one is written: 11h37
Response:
3h30
